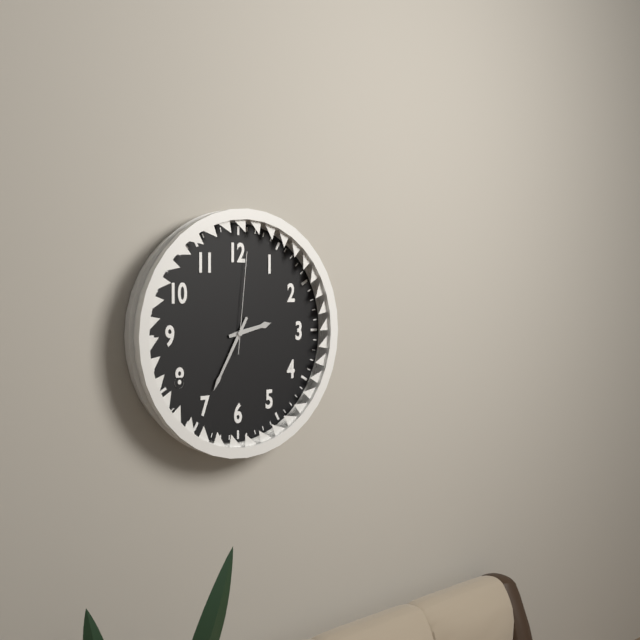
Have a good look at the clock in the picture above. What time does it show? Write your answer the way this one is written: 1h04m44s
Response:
2h35m01s
